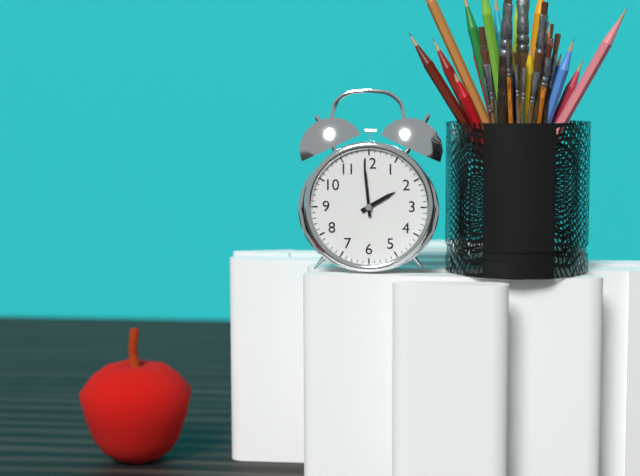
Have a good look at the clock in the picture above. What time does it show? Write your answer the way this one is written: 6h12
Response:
1h59
